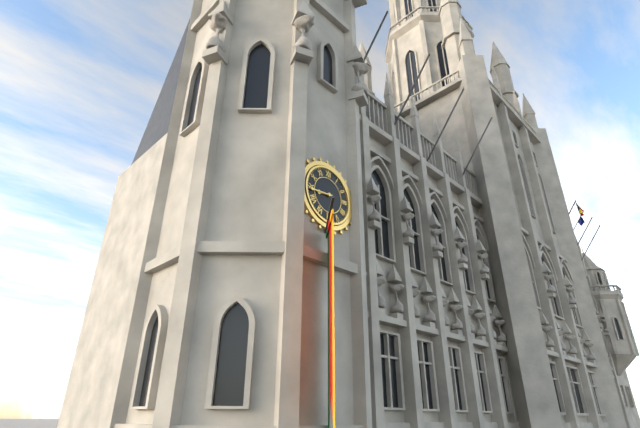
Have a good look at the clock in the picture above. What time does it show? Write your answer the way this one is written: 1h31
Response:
8h44
